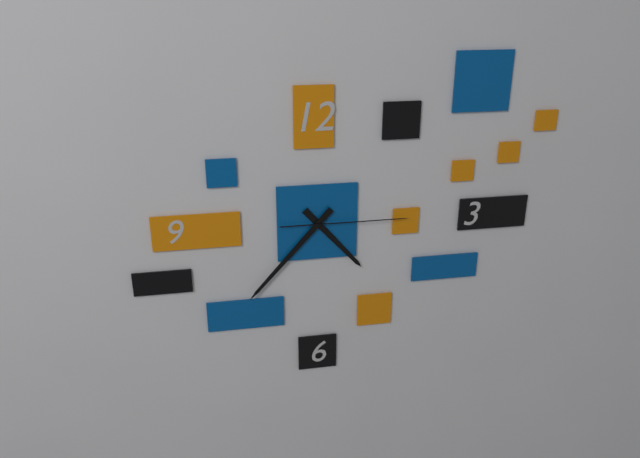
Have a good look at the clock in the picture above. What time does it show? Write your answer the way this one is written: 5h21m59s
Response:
4h37m15s
